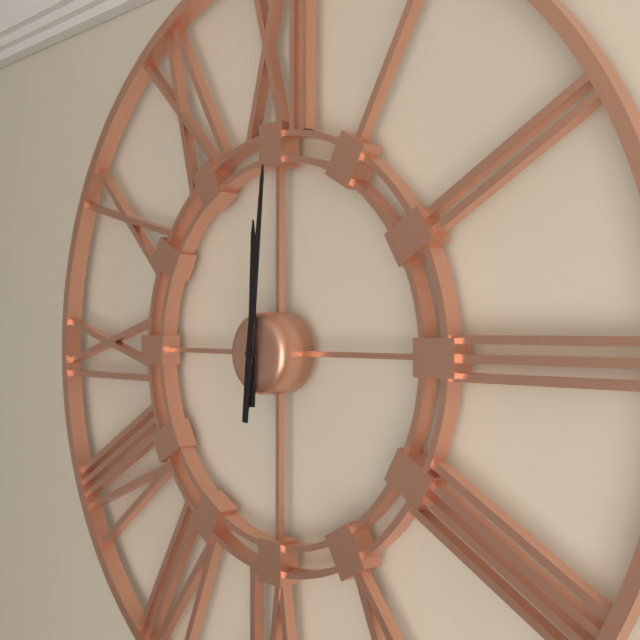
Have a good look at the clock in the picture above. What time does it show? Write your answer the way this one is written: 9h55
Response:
12h01
